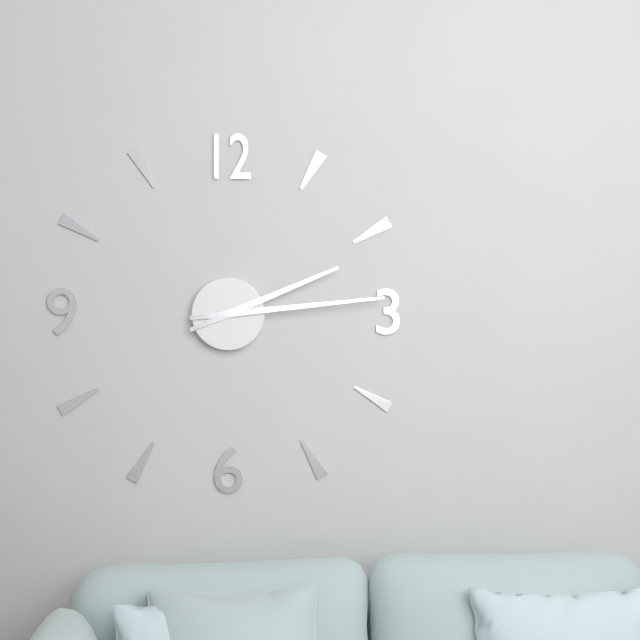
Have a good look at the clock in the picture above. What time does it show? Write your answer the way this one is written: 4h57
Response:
2h14
